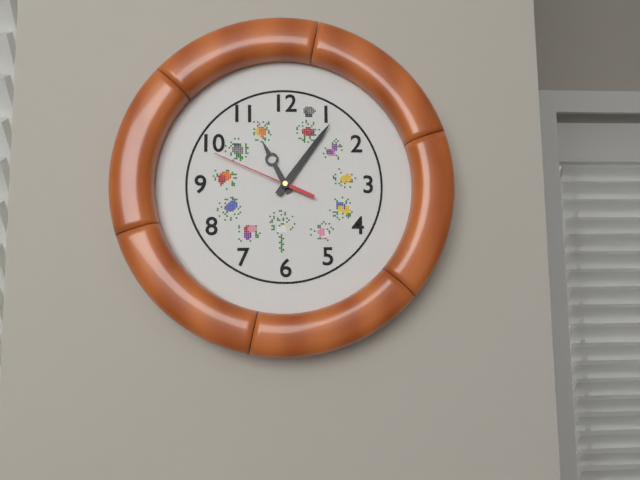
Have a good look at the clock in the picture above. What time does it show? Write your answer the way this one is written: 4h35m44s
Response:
11h06m49s
